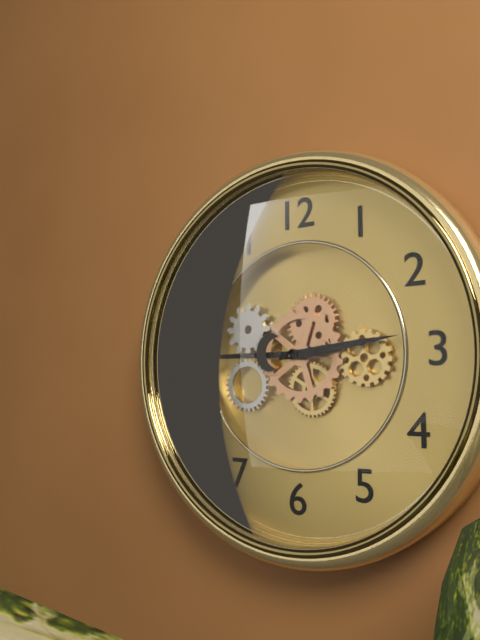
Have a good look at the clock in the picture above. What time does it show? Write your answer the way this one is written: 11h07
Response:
2h45
